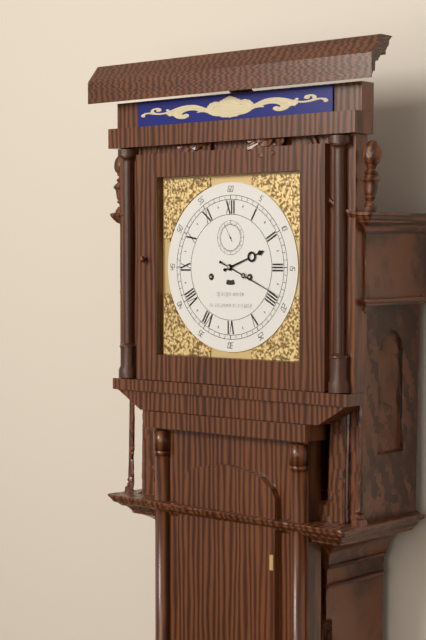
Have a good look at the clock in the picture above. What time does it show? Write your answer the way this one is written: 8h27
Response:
2h19
